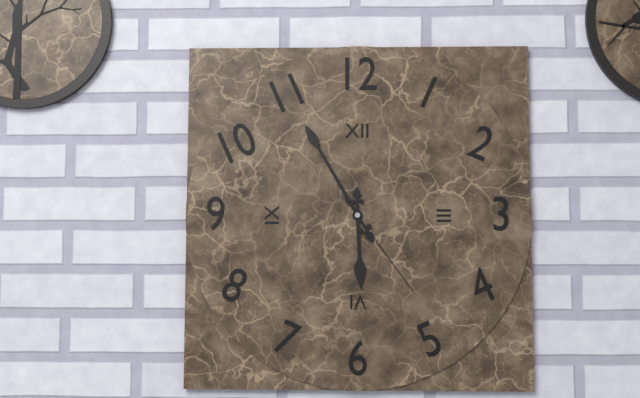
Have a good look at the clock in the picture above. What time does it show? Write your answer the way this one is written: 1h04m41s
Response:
5h55m24s
